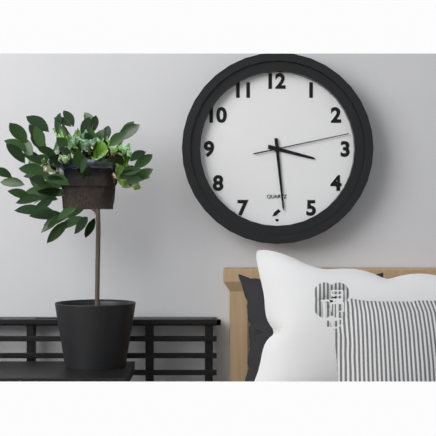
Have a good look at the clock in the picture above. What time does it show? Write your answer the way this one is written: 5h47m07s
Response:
3h29m13s
